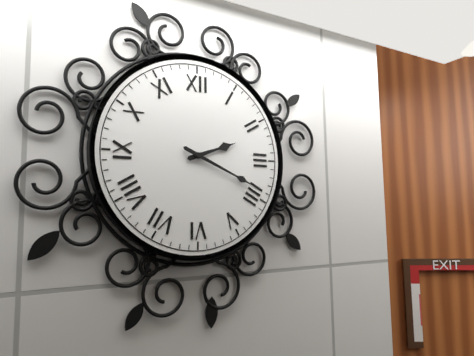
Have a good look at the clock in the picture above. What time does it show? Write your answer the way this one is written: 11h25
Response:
2h19
